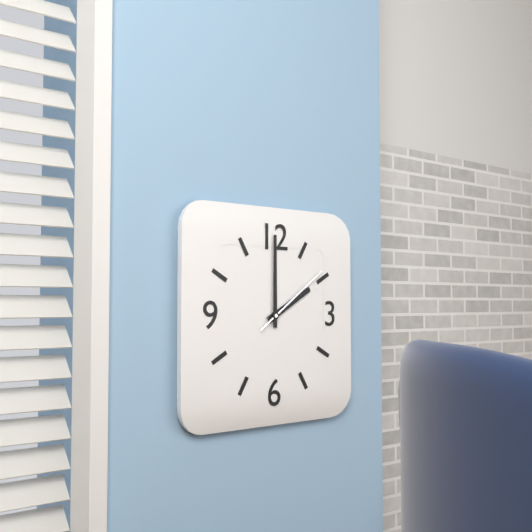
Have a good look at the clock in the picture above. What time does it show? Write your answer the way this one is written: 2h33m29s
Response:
2h00m09s
